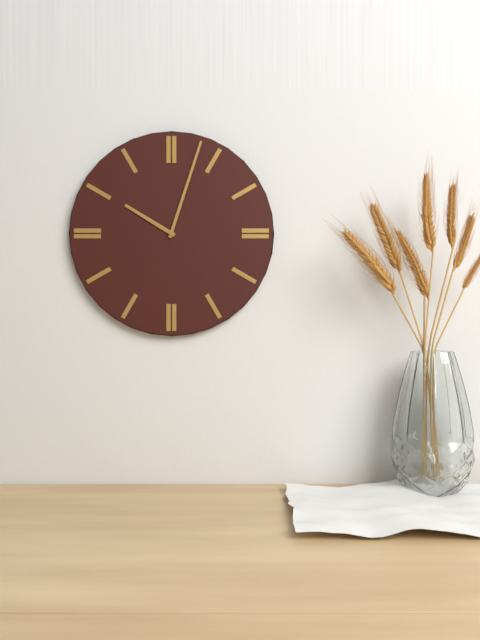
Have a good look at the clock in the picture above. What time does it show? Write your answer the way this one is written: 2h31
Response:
10h03
